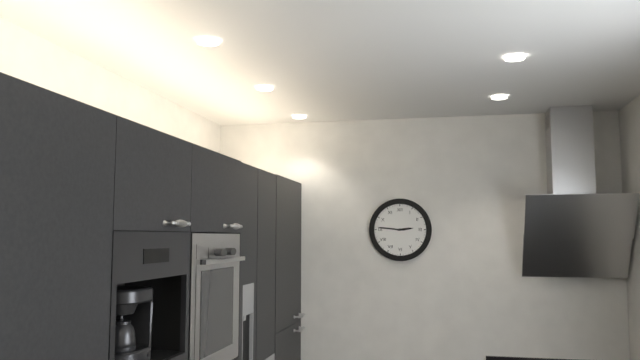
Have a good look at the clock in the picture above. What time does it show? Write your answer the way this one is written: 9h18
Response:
2h46
